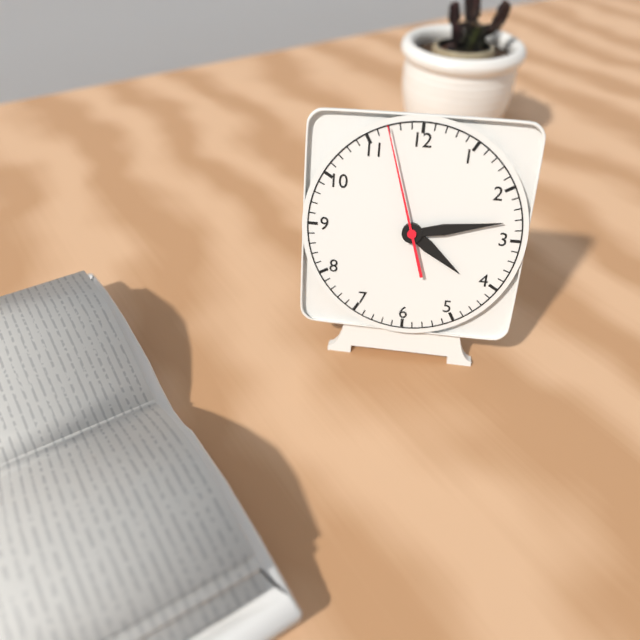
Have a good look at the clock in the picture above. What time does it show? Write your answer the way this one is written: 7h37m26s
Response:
4h13m57s
